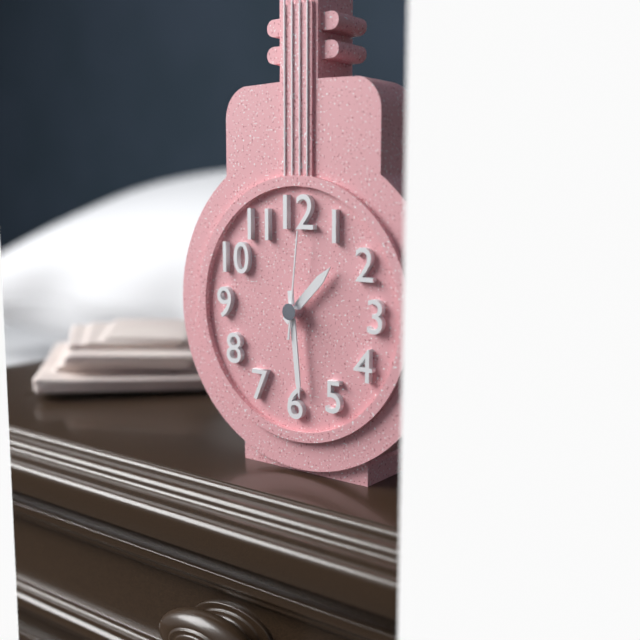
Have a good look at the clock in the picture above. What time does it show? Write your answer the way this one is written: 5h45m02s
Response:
1h29m01s
